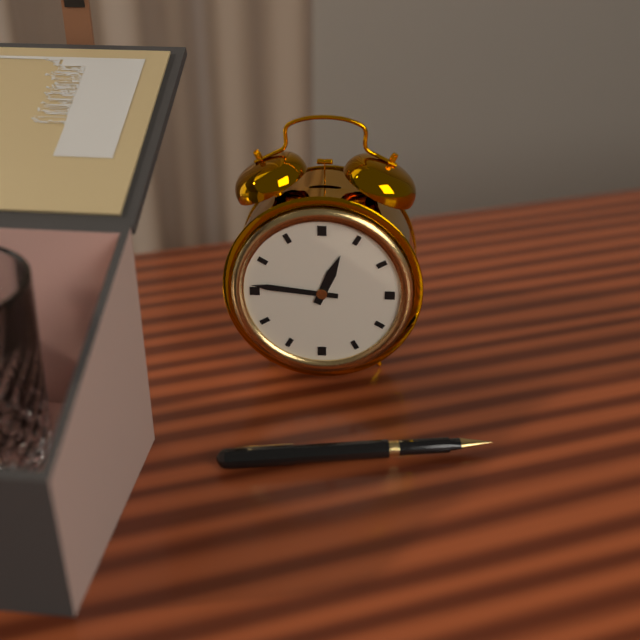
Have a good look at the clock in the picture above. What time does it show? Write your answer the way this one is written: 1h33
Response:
12h46
